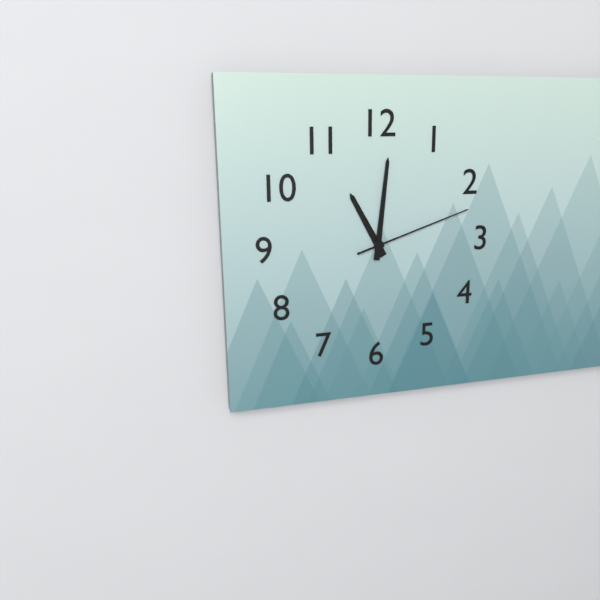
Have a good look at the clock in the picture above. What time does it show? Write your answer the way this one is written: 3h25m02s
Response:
11h01m12s
